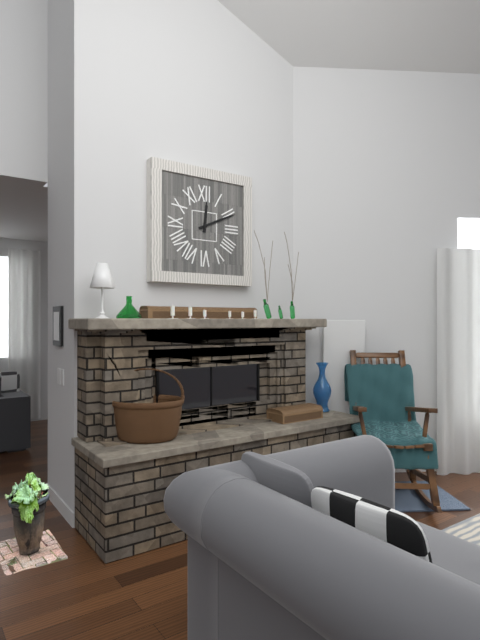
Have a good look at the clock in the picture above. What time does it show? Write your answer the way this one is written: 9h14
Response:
12h11
